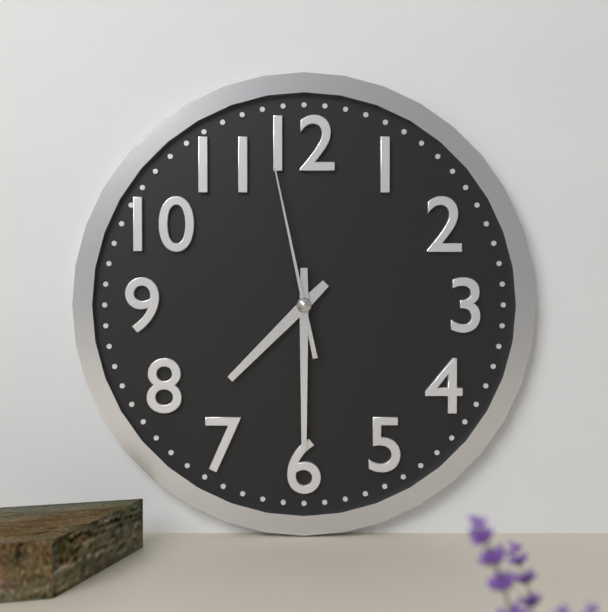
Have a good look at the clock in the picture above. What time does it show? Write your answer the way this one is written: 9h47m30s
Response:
7h30m58s
